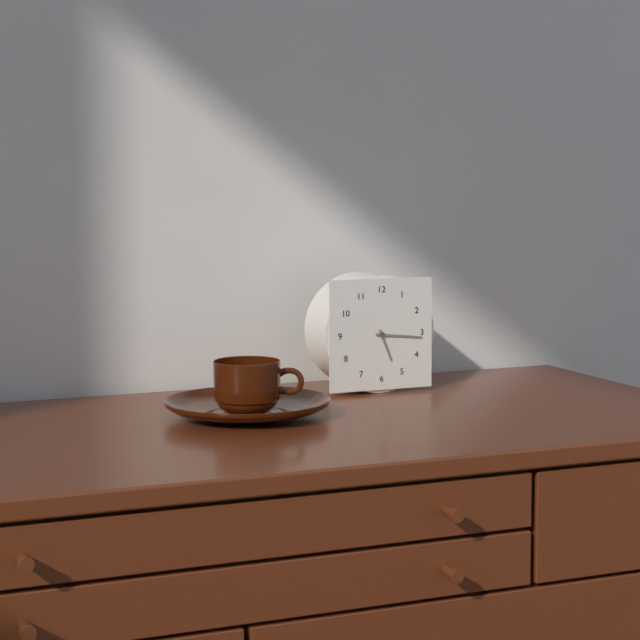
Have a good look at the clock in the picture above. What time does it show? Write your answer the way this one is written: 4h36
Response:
5h16
